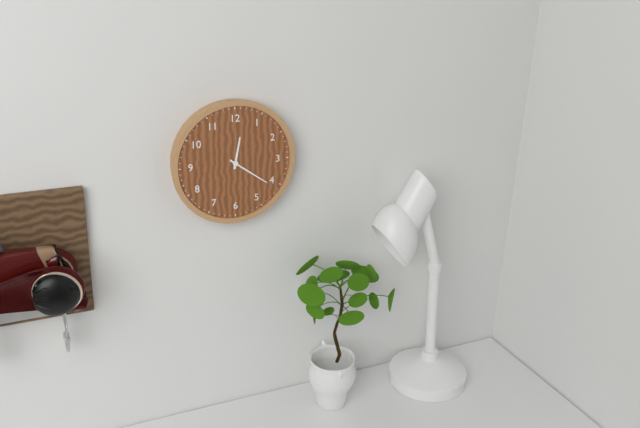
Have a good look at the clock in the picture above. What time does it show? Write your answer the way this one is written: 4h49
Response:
12h21
